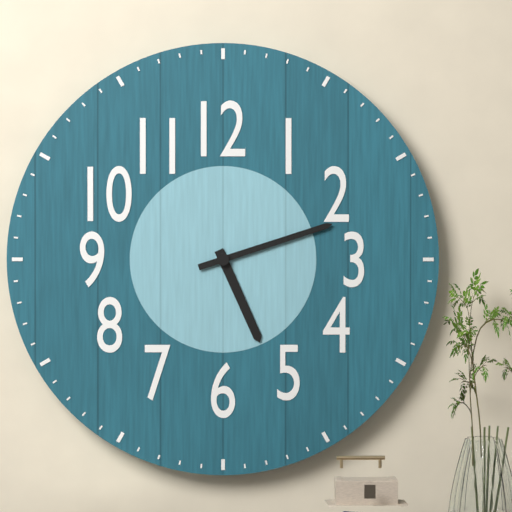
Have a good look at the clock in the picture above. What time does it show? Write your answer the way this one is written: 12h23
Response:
5h12
